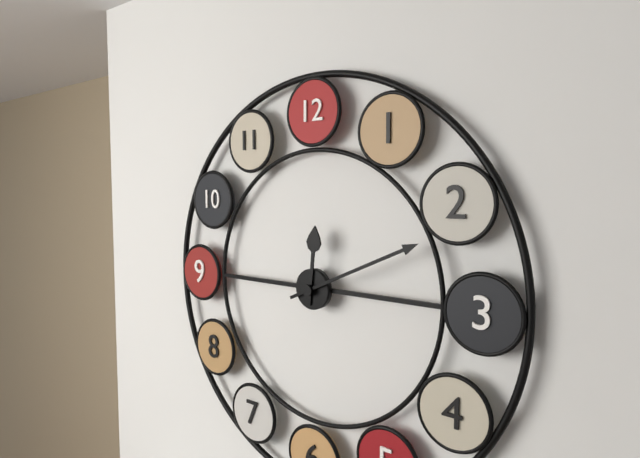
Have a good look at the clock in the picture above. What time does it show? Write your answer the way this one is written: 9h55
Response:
12h11
